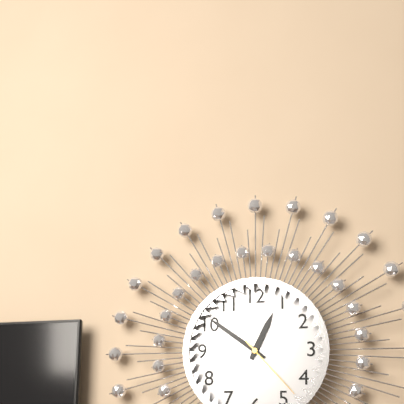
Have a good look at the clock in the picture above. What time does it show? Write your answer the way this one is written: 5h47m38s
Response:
12h51m23s
